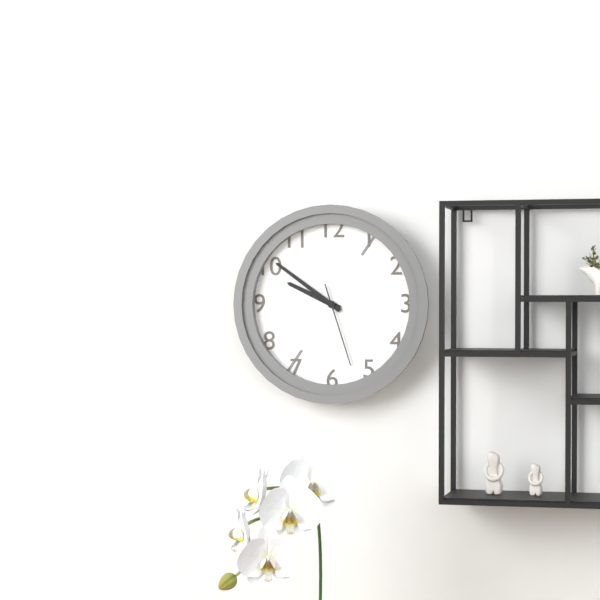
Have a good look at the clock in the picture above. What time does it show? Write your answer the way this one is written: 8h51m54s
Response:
9h51m27s
